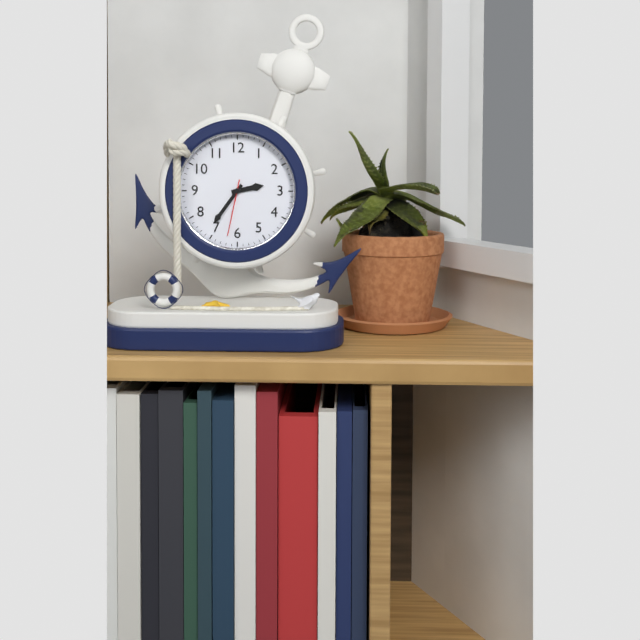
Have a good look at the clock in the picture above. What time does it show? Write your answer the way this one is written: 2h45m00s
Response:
2h36m32s
